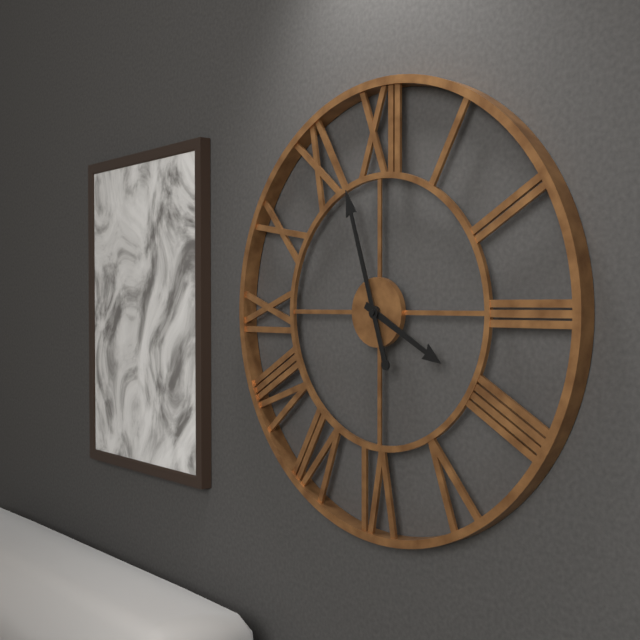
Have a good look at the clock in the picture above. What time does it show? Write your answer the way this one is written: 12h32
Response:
3h57
